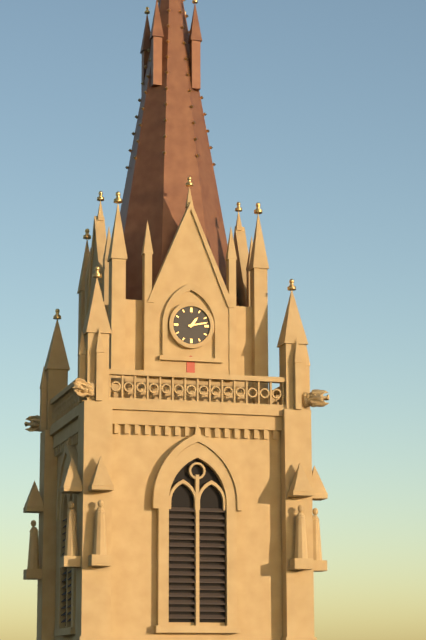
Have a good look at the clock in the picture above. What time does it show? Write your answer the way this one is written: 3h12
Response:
1h13
